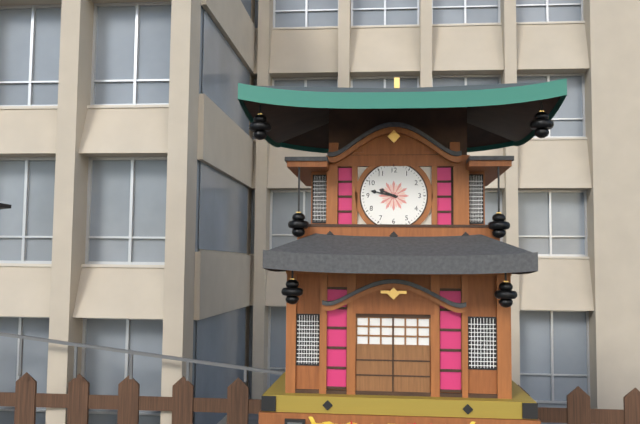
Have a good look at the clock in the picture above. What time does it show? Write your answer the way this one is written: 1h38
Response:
9h47
